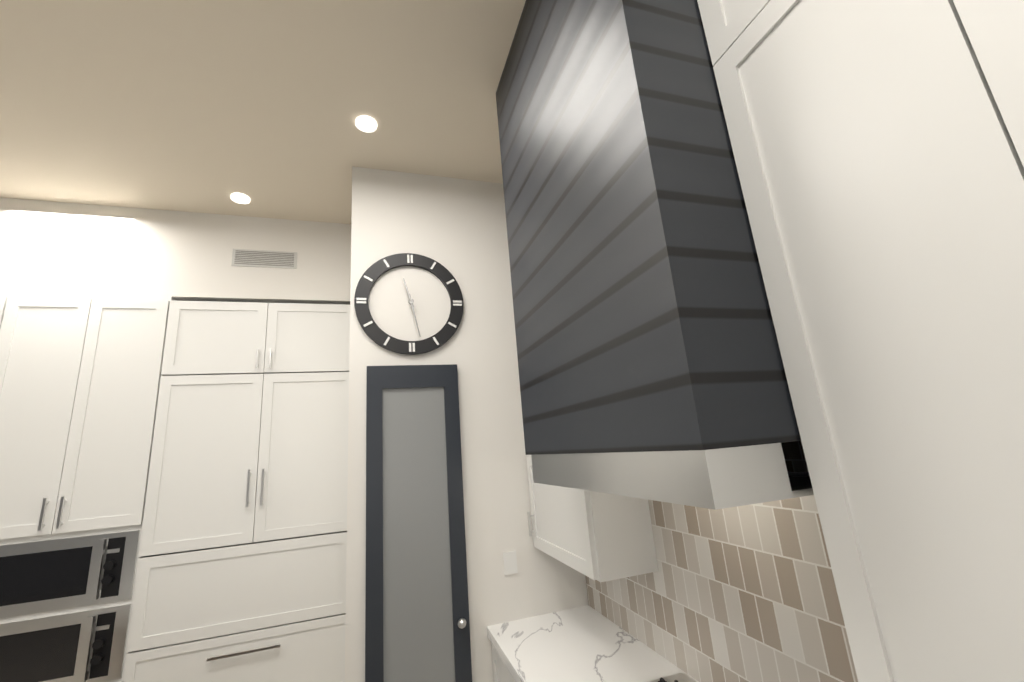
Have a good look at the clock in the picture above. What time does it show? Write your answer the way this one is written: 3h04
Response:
11h28
